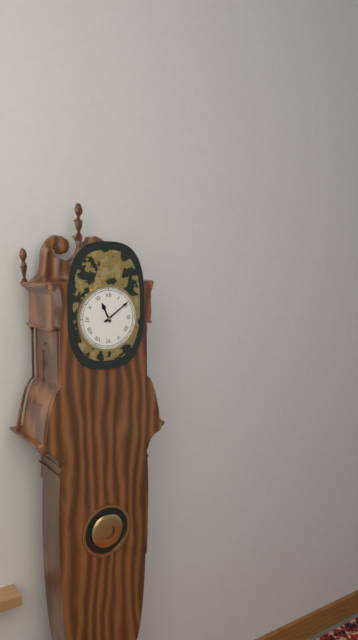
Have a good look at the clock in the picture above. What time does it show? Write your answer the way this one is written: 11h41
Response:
11h09
